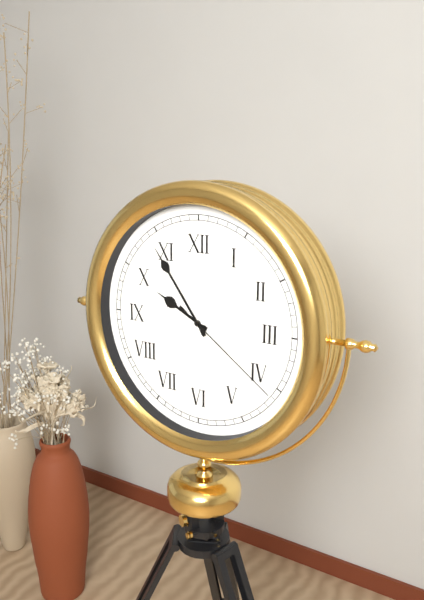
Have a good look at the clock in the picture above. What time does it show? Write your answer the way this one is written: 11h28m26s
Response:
9h54m21s
